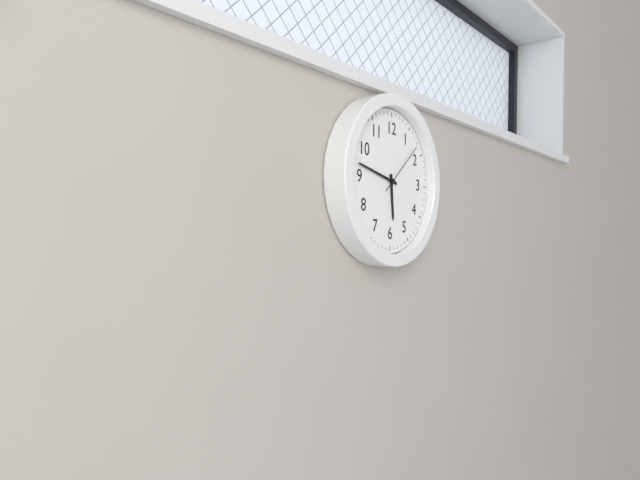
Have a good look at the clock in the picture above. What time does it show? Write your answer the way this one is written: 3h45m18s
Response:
5h47m08s
